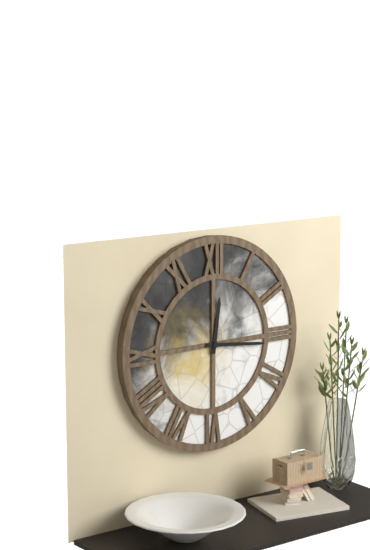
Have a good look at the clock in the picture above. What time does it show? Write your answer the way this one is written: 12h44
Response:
12h16
